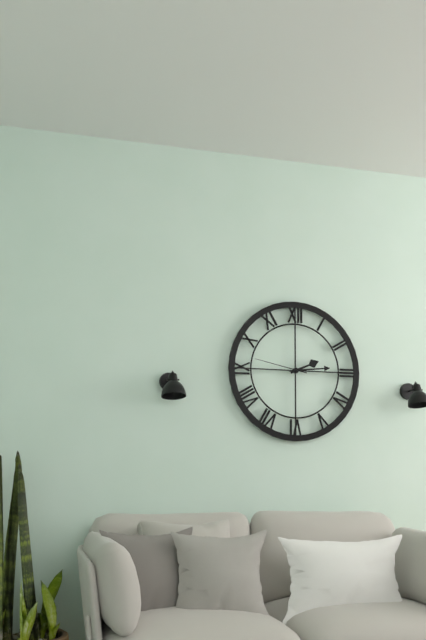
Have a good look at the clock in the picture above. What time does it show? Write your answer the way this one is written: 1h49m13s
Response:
2h14m47s
